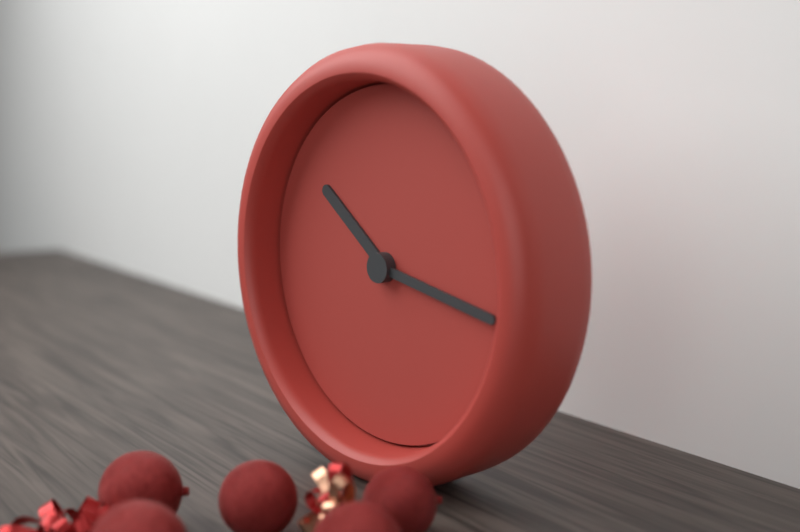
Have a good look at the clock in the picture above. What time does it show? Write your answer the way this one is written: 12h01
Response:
10h17
